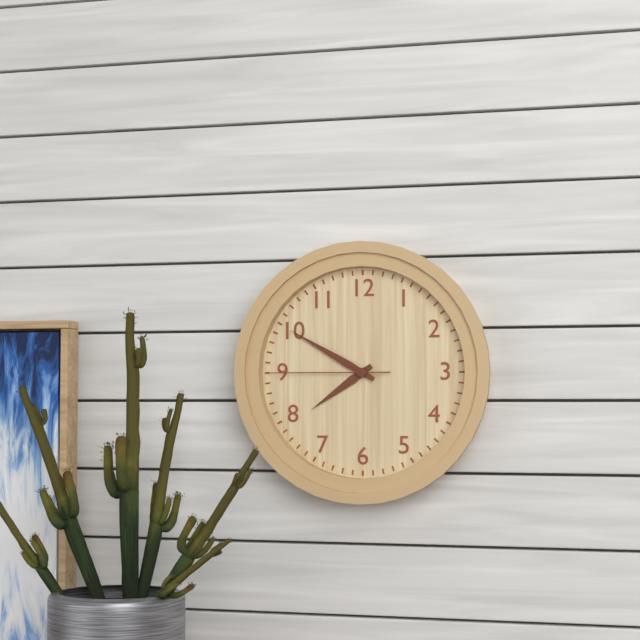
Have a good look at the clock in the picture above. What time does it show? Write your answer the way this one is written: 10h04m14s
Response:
7h50m45s
